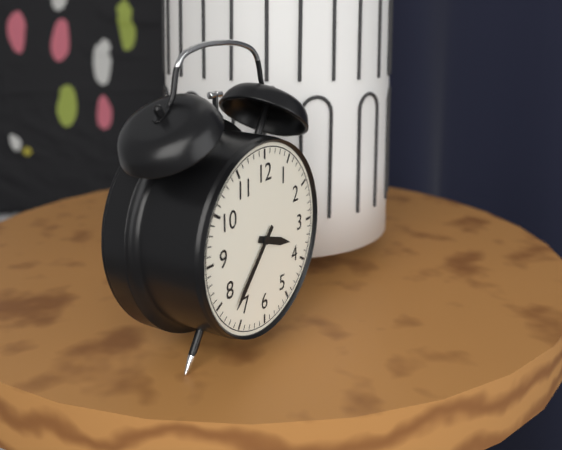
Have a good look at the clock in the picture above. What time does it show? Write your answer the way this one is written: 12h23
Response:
3h37
